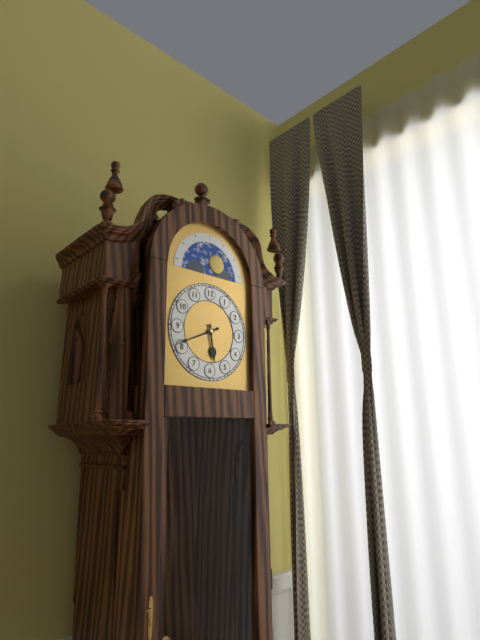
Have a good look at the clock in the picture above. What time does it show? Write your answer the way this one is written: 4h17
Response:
5h41
